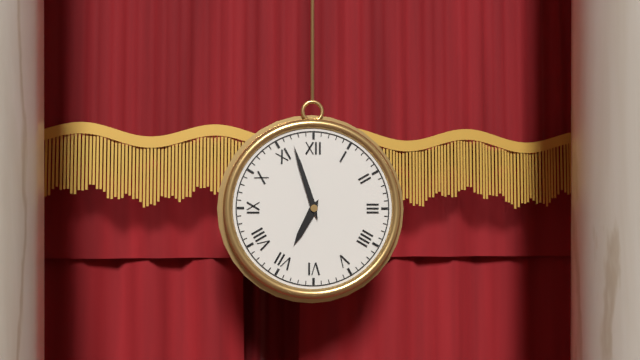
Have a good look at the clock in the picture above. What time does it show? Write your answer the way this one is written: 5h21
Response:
6h57
